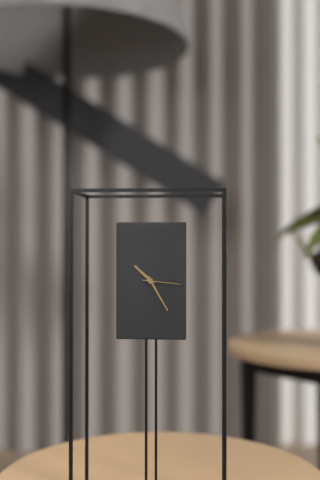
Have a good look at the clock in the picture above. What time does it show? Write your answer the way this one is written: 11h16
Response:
10h25
